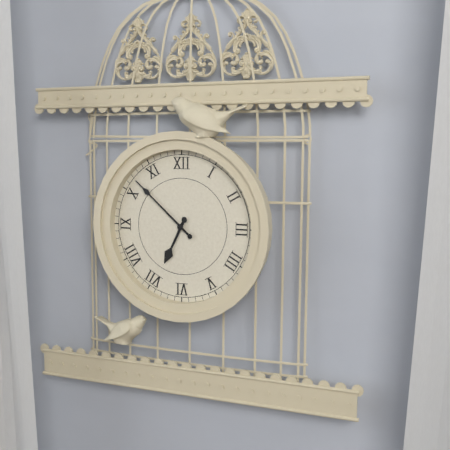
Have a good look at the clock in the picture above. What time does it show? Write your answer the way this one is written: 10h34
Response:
6h52
